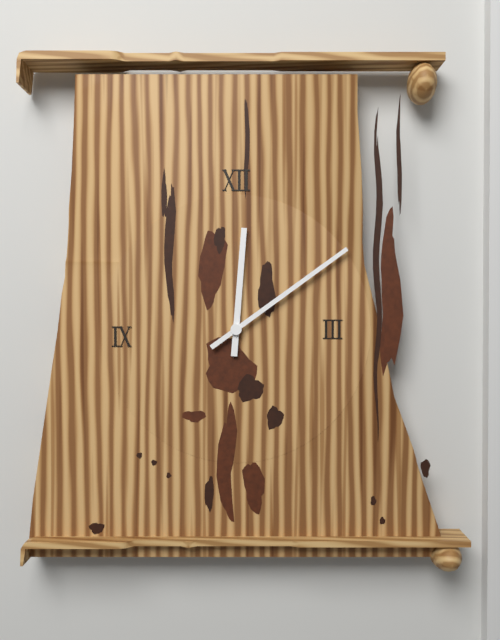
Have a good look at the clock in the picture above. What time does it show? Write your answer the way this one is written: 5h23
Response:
12h09
